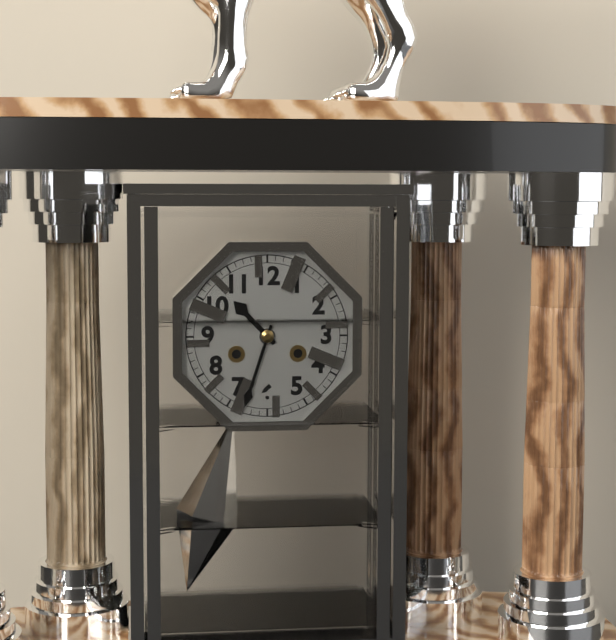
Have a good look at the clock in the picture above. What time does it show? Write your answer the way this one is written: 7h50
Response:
10h33
